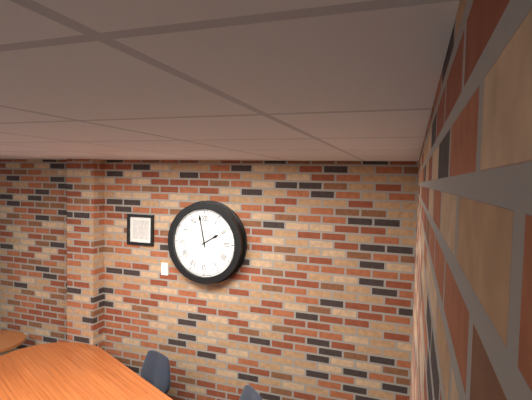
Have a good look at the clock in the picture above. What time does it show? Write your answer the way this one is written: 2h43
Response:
1h58
